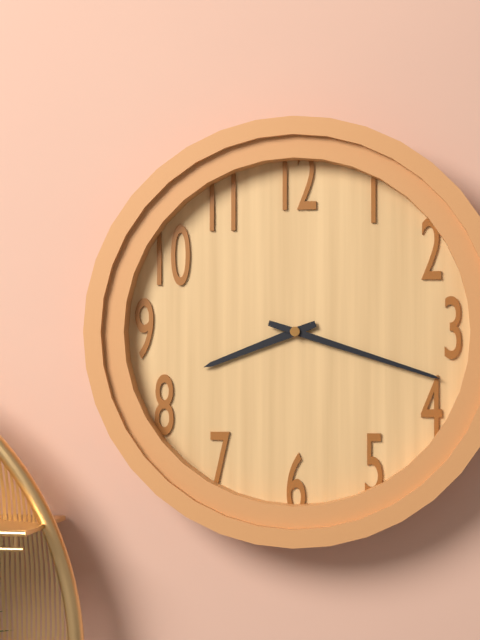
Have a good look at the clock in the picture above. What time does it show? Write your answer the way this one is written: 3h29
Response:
8h18
